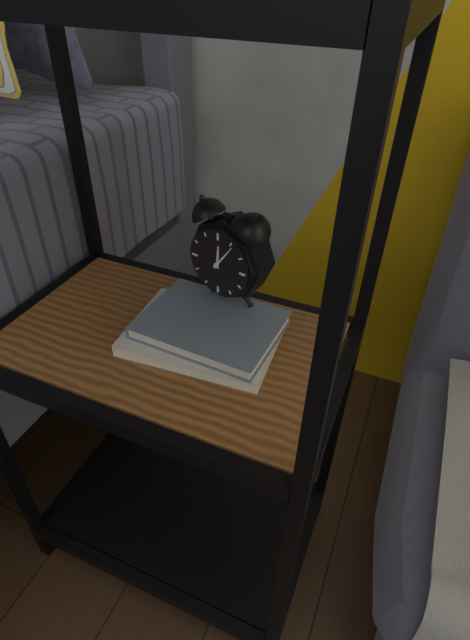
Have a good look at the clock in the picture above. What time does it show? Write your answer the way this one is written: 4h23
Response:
12h06
